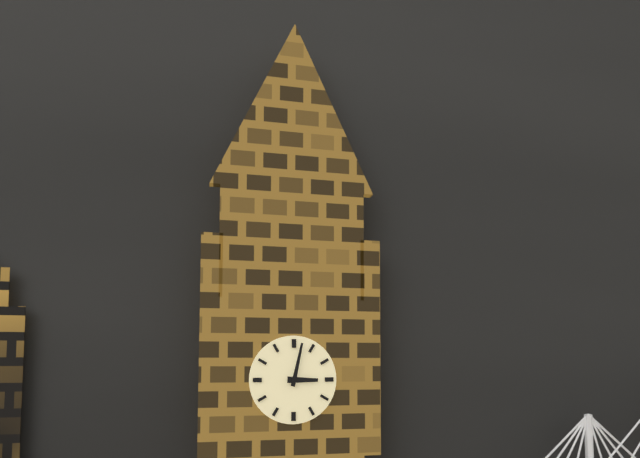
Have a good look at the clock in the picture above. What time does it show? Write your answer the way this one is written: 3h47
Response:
3h02
